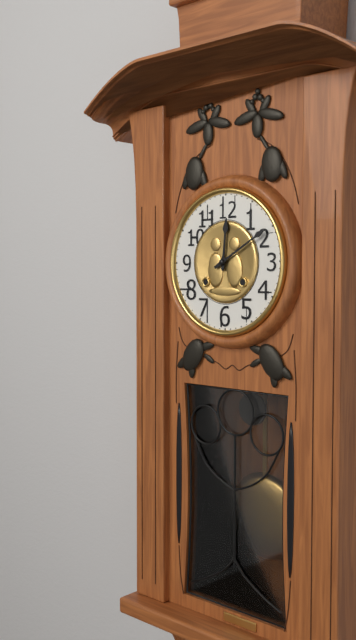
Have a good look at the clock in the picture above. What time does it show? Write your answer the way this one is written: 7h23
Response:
12h10
